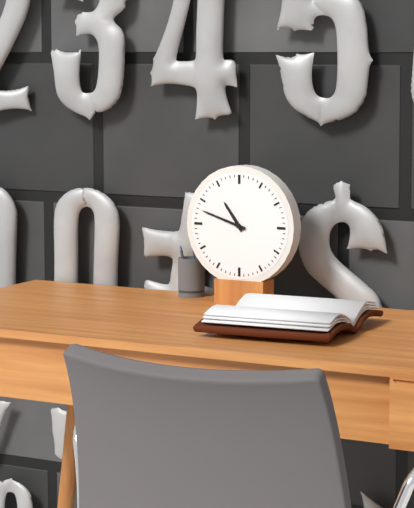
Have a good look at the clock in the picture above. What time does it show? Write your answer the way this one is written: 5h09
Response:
10h48
